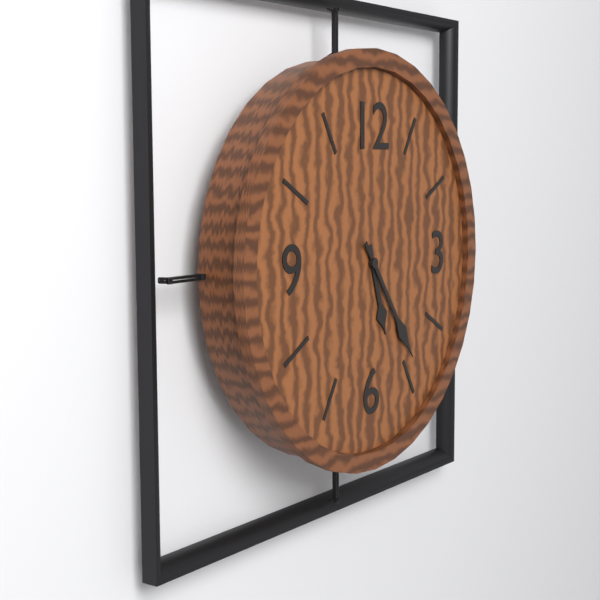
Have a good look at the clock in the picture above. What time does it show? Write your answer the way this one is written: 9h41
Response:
5h24
